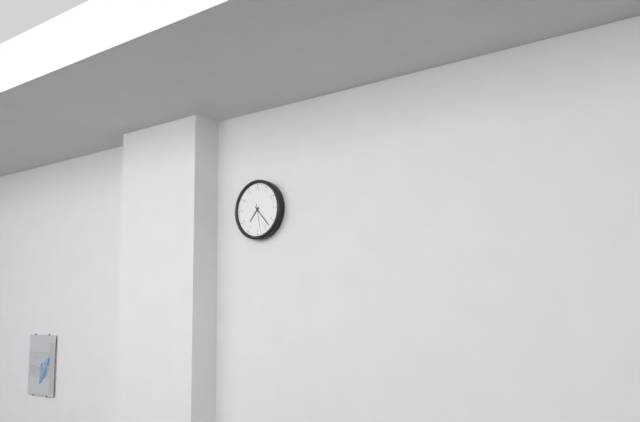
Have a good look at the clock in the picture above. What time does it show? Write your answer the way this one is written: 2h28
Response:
7h23
